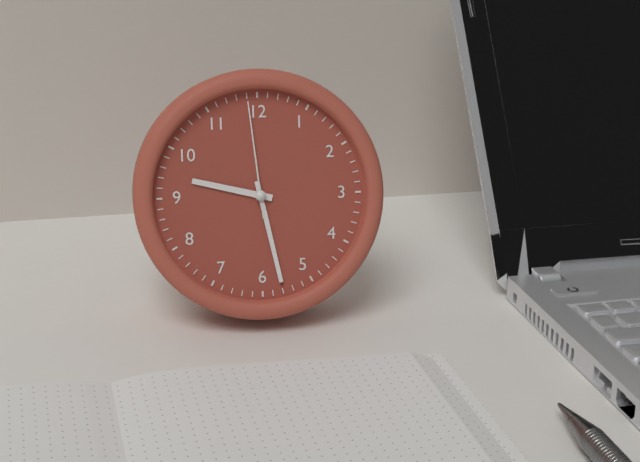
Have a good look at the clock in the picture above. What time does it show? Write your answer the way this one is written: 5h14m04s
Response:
9h28m59s
